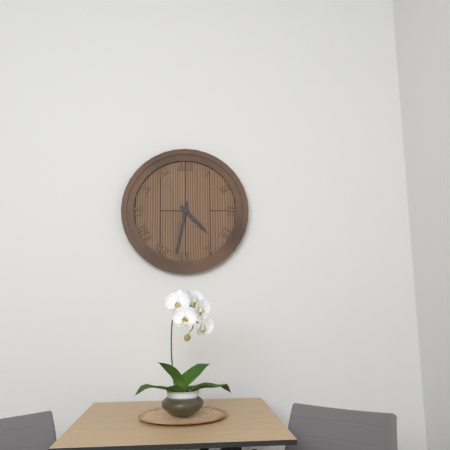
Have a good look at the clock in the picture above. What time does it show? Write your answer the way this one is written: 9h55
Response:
4h32
